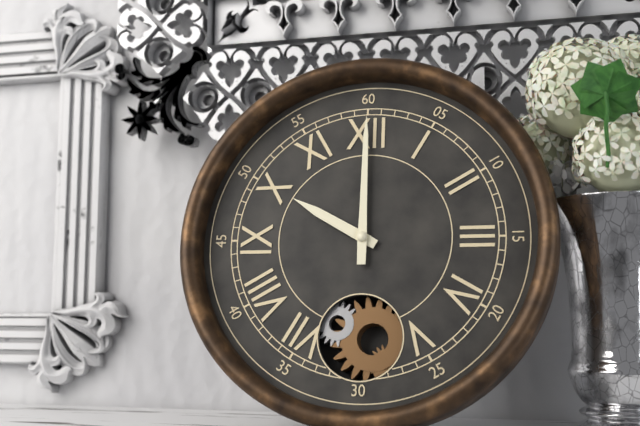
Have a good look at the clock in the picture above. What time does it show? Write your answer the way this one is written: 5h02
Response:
10h00
